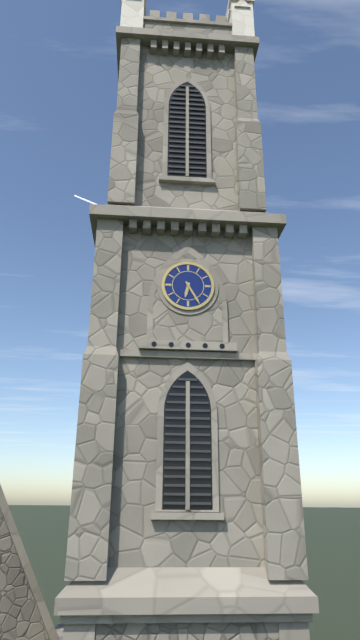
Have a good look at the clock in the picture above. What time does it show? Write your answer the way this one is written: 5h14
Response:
6h25
